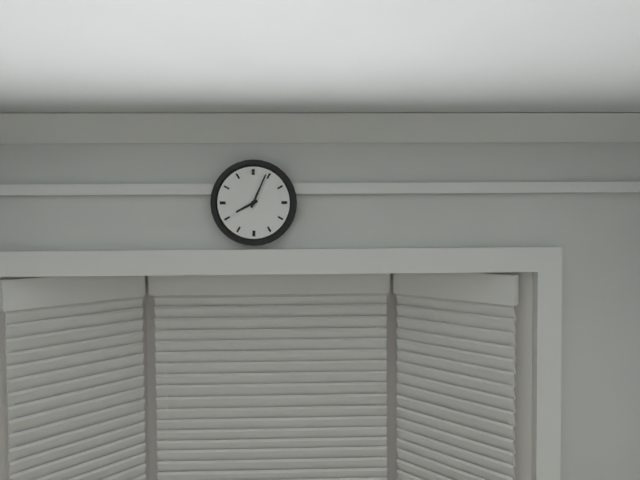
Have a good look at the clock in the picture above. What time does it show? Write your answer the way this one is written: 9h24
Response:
8h04
